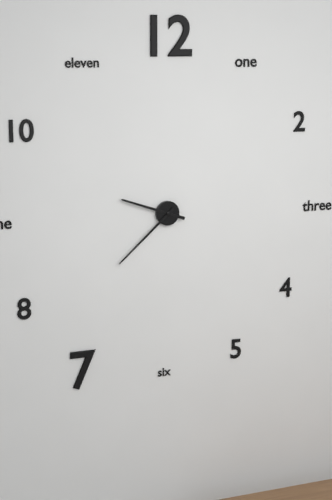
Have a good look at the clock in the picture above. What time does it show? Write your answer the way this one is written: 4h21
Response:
9h38
